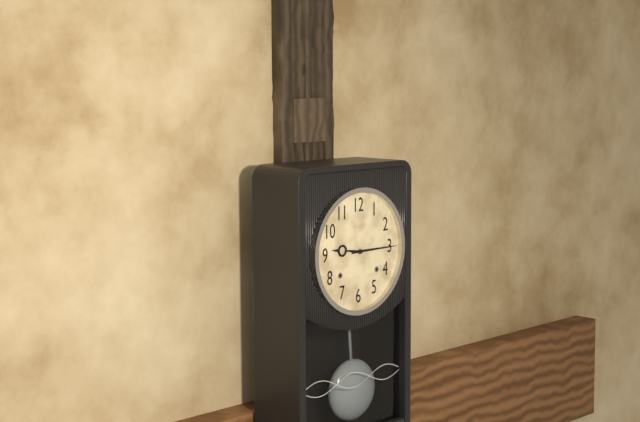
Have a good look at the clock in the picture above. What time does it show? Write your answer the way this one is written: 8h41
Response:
9h15
